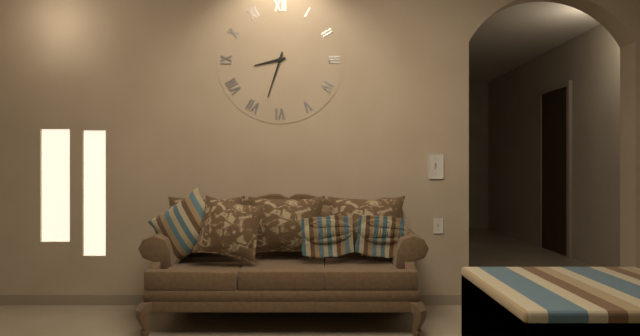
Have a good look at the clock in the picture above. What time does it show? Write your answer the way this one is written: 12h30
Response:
8h33
